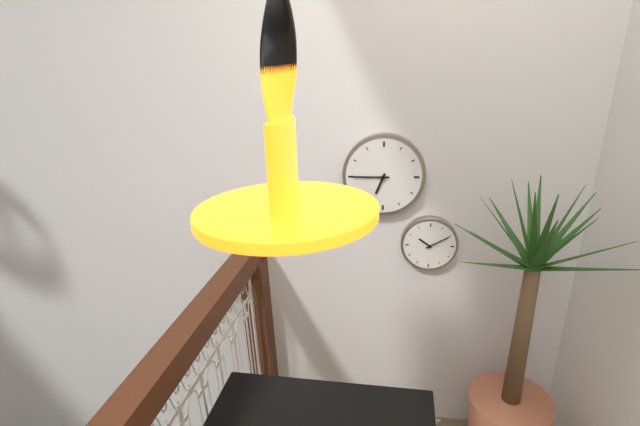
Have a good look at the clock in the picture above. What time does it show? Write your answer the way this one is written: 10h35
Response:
6h45
